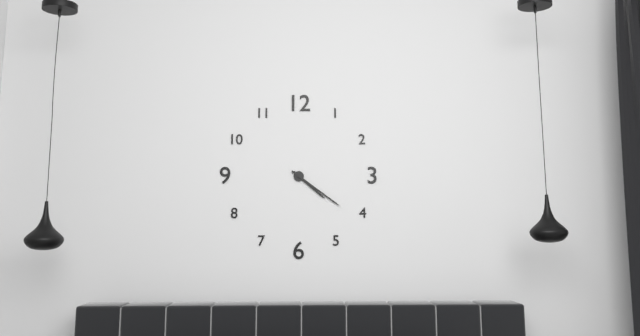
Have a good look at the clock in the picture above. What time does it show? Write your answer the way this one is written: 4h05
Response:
4h21
